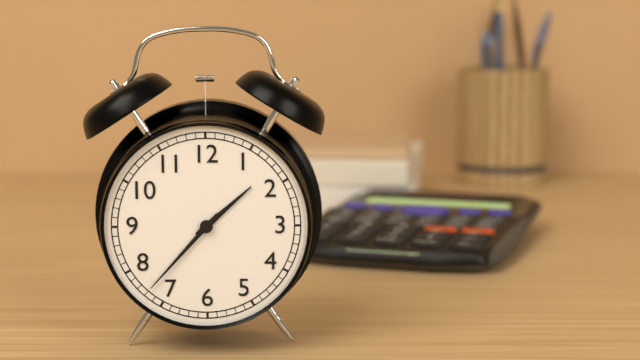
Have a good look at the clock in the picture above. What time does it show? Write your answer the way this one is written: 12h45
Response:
1h37
